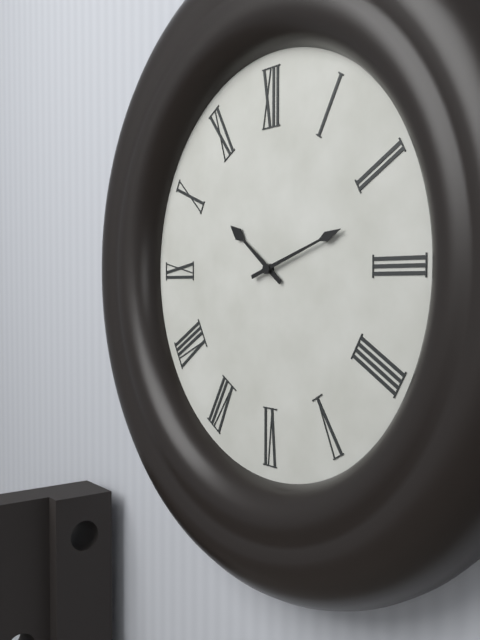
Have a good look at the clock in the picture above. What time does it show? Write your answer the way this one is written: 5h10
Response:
10h12
